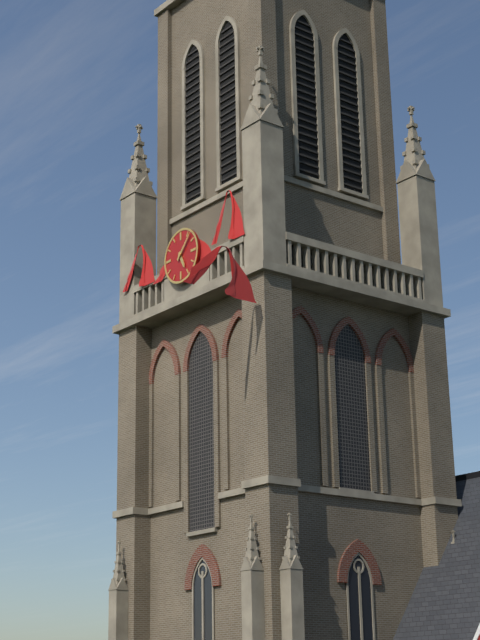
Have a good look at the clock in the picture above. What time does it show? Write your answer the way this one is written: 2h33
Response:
5h07
